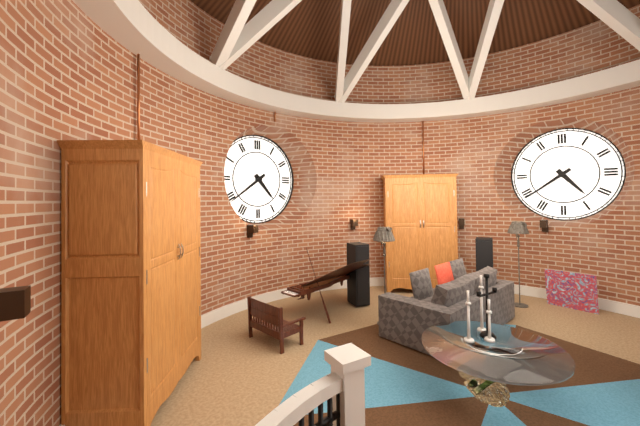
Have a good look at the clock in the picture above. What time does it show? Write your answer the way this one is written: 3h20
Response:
4h39
